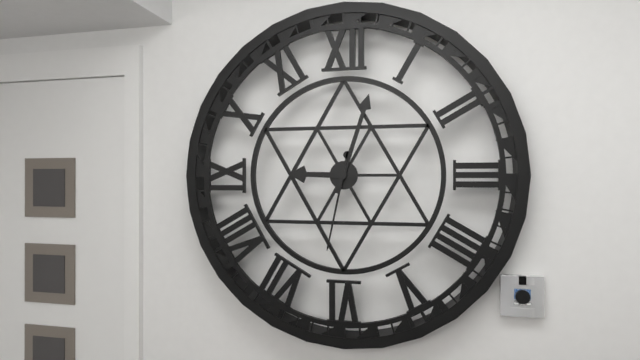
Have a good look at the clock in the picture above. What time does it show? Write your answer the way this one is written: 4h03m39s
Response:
9h03m32s
